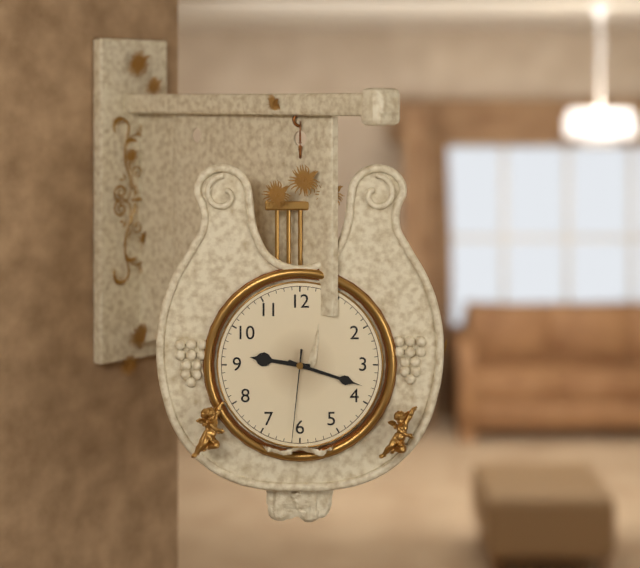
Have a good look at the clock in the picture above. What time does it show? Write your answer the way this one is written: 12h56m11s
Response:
9h18m31s
